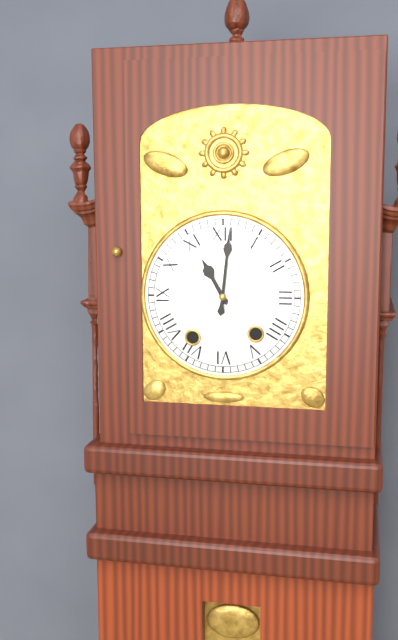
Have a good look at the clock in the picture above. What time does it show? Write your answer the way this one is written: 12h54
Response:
11h01
